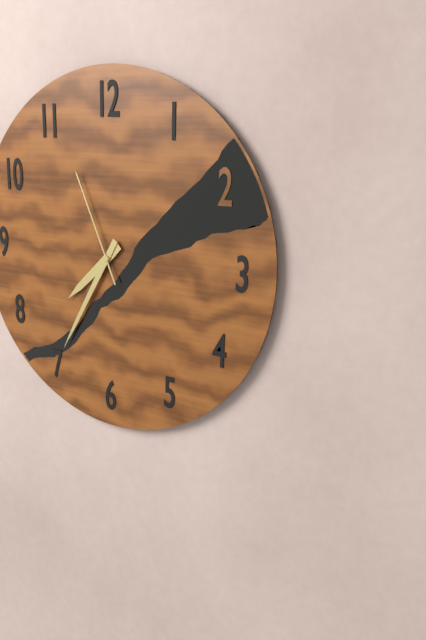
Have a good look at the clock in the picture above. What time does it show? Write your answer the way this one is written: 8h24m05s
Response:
7h35m56s
